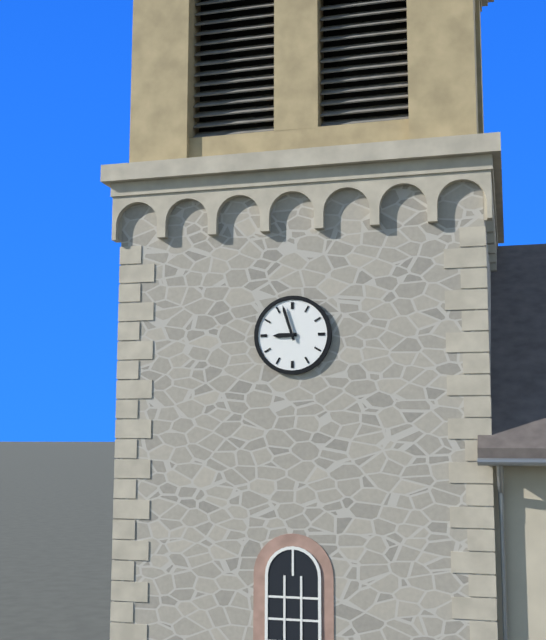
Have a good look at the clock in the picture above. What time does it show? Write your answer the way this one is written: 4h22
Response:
8h57
